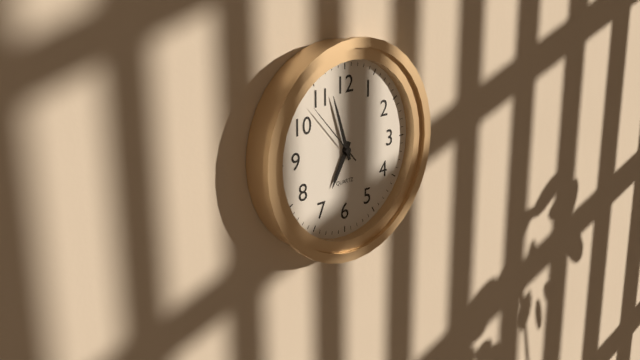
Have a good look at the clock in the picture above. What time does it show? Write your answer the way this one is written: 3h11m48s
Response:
6h57m53s
